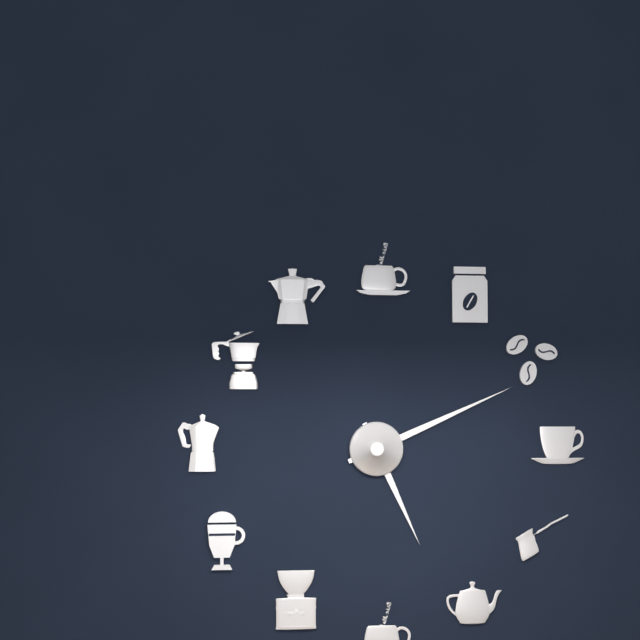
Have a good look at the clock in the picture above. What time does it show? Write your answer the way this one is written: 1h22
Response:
5h11
